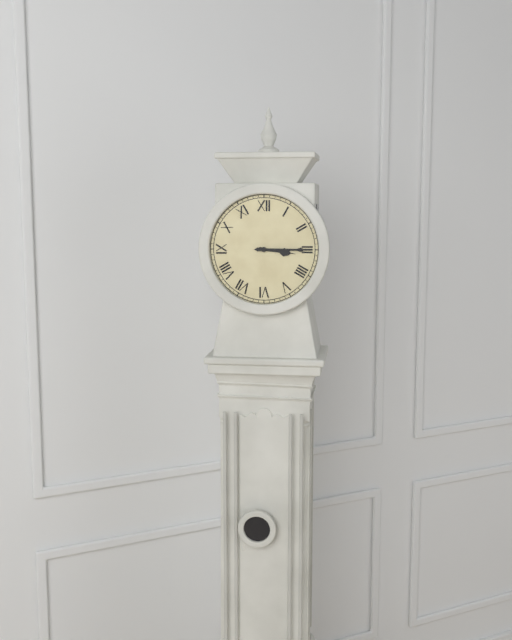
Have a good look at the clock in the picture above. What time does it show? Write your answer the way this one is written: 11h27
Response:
3h15
